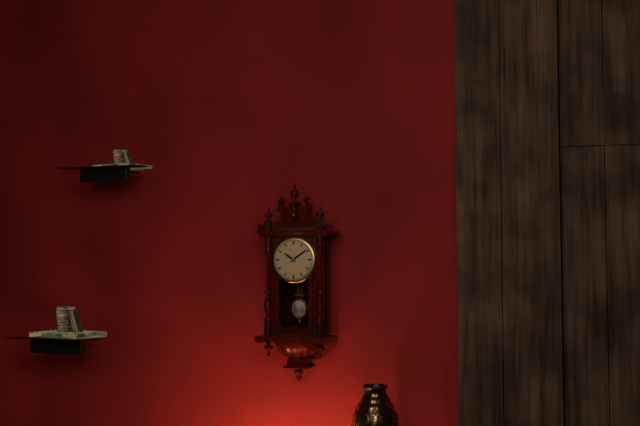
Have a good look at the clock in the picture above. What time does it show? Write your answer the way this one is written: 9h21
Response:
10h09
